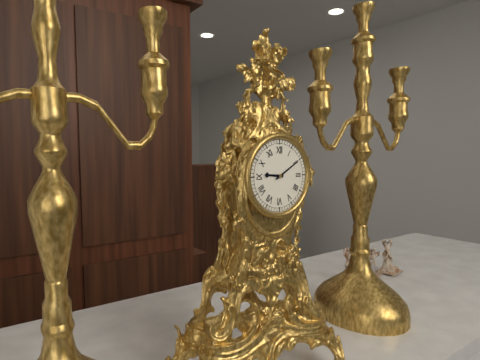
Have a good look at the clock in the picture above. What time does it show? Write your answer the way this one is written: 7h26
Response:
9h10
